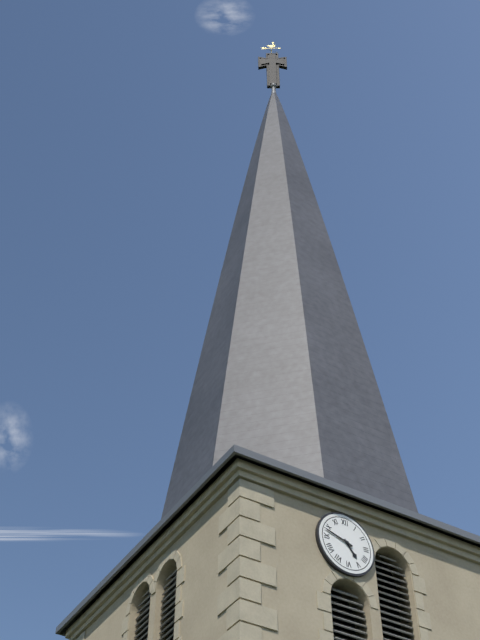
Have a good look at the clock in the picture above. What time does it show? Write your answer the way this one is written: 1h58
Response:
4h48
